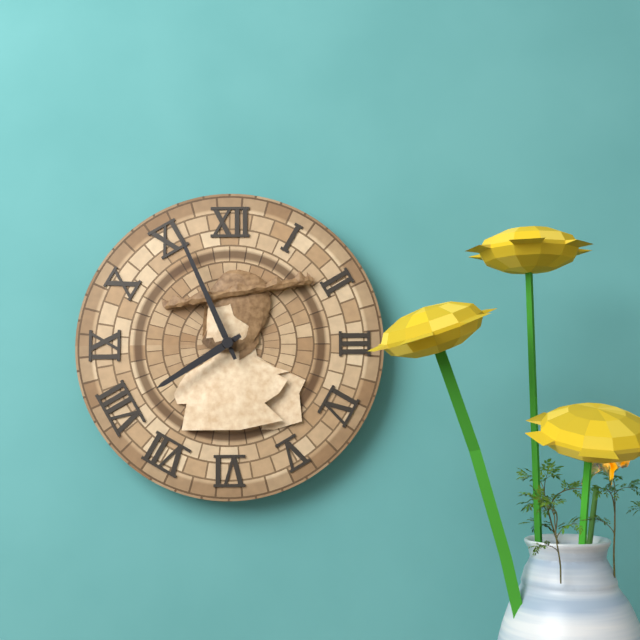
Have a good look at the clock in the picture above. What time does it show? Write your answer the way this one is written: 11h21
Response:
7h56
